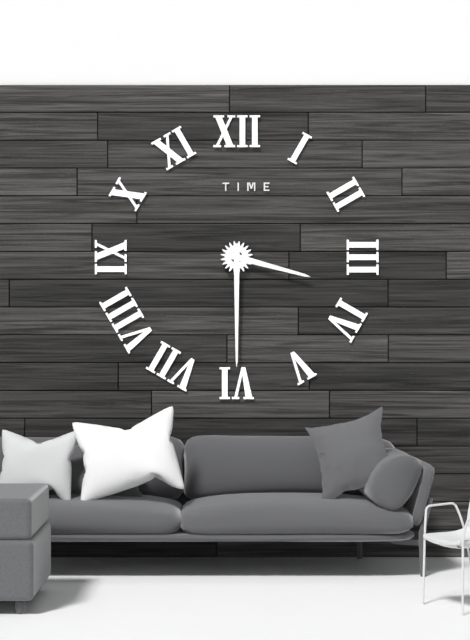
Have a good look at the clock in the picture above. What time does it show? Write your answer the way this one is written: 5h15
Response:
3h30
